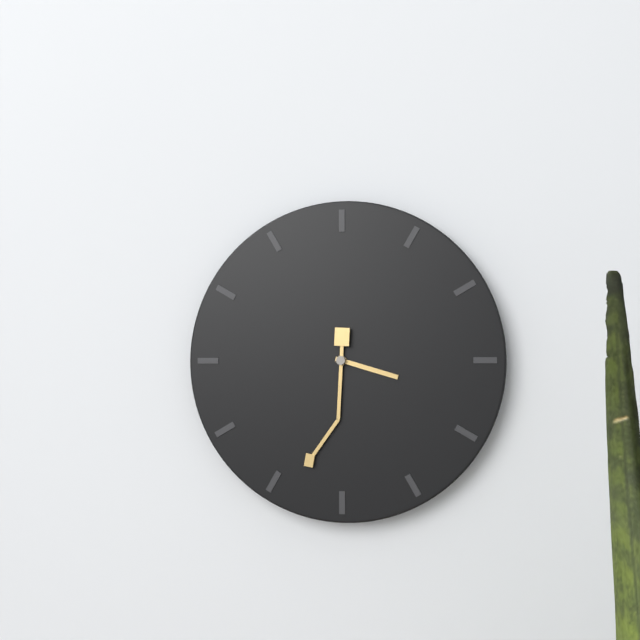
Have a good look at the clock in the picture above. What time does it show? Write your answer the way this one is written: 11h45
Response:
3h33
